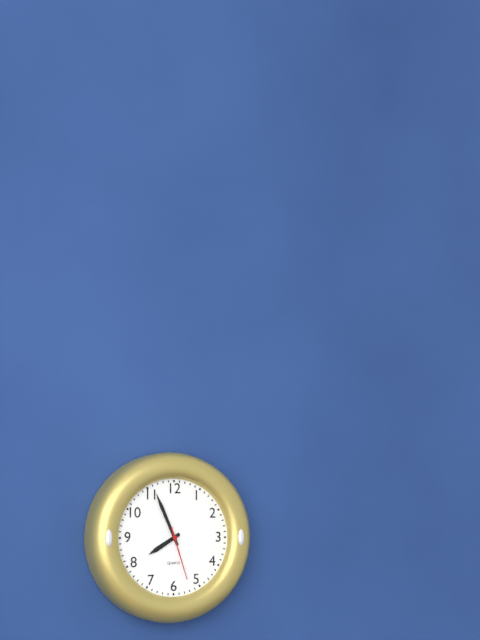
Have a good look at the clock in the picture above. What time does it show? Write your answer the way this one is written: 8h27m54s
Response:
7h56m27s
